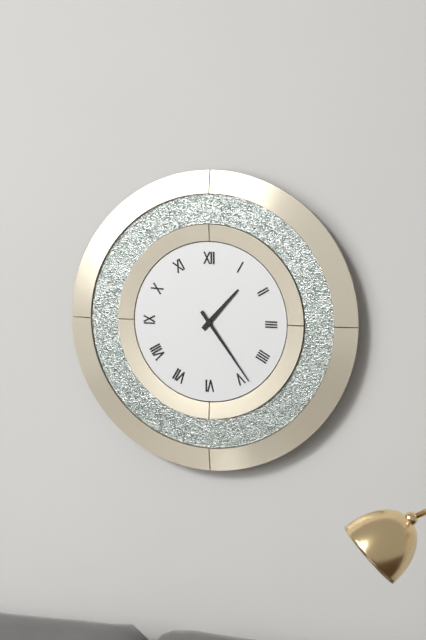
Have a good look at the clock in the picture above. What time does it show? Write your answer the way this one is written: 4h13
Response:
1h24
